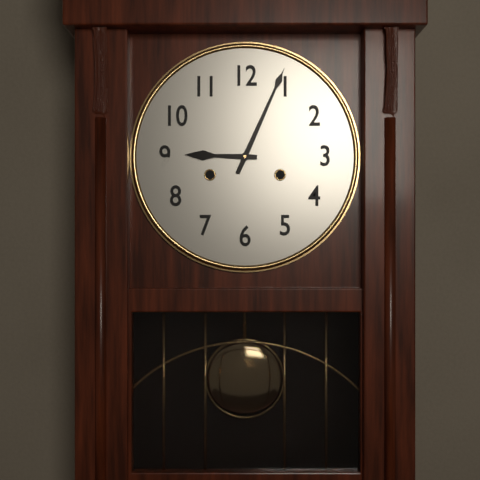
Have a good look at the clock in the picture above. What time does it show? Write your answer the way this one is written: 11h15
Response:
9h04
